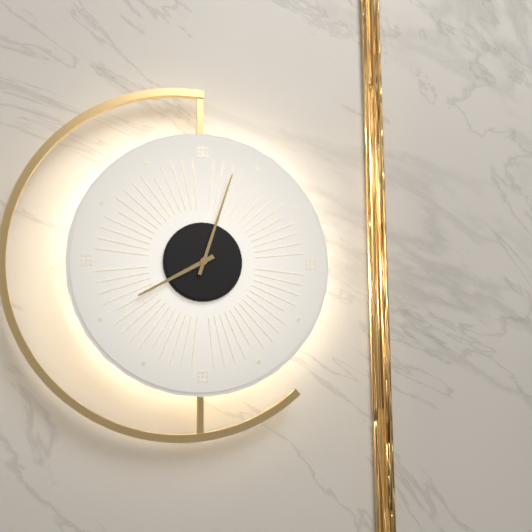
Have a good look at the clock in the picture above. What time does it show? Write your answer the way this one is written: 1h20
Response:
8h03
